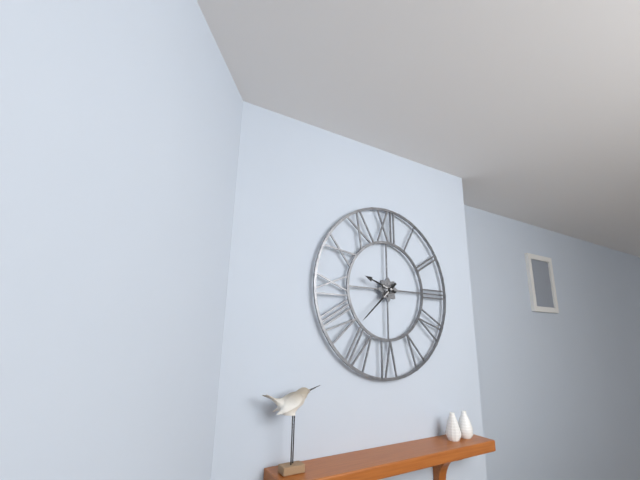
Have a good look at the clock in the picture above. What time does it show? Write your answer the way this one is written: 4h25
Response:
9h38
